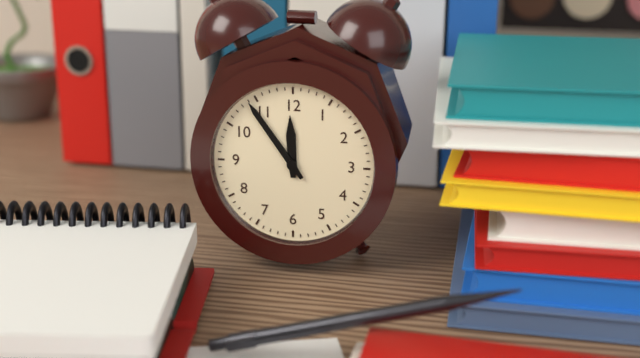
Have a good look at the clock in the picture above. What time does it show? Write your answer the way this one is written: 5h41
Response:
11h54
